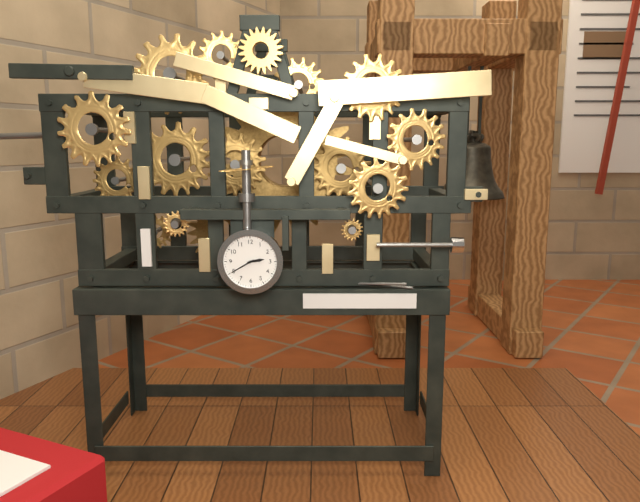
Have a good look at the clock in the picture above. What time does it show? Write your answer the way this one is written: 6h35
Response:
2h40
